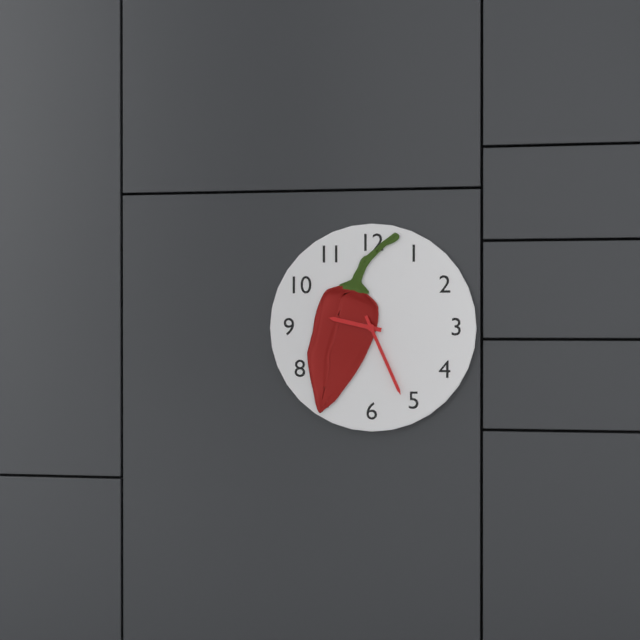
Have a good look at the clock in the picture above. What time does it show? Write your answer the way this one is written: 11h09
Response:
9h26
